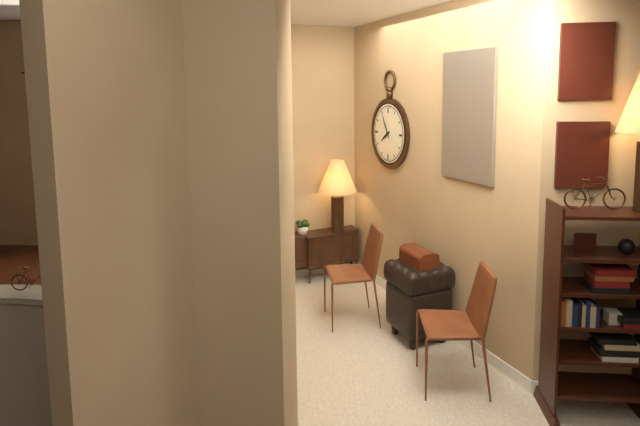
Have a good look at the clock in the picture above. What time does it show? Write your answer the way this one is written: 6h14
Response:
7h55
